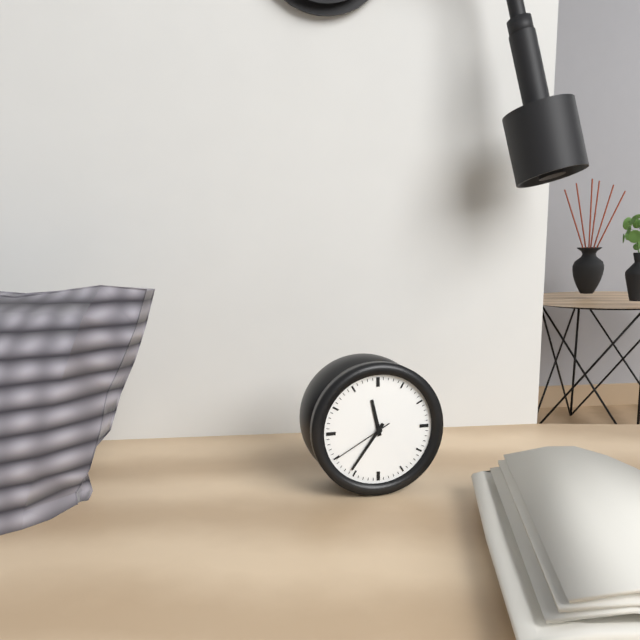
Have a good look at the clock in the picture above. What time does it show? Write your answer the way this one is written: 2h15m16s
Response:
11h36m40s
